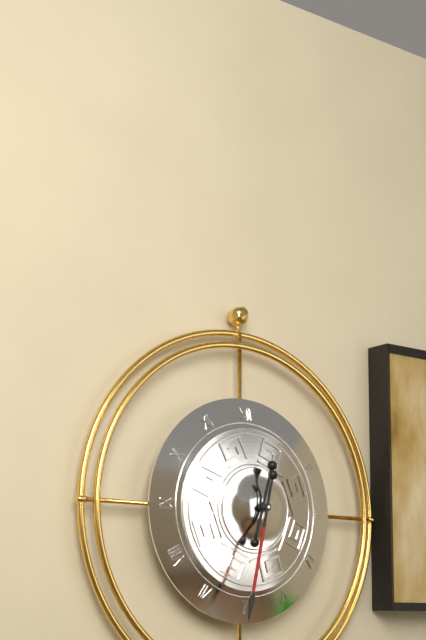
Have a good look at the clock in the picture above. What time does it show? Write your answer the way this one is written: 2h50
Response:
12h32
